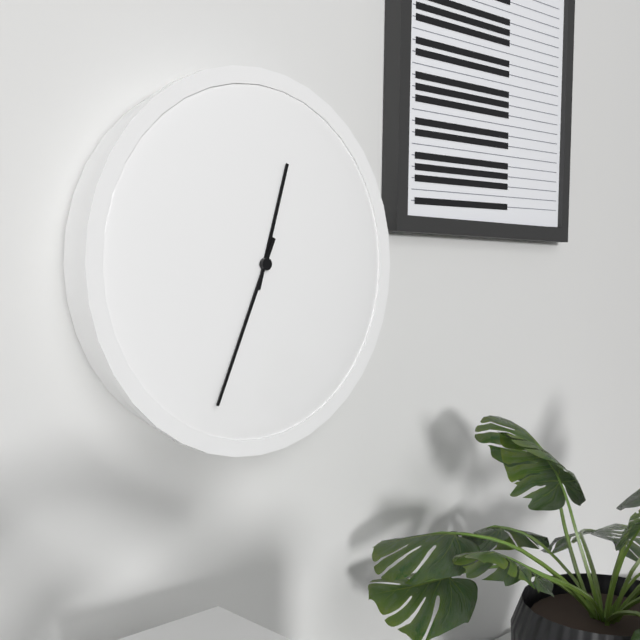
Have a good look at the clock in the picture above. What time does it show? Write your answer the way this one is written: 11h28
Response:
12h34
